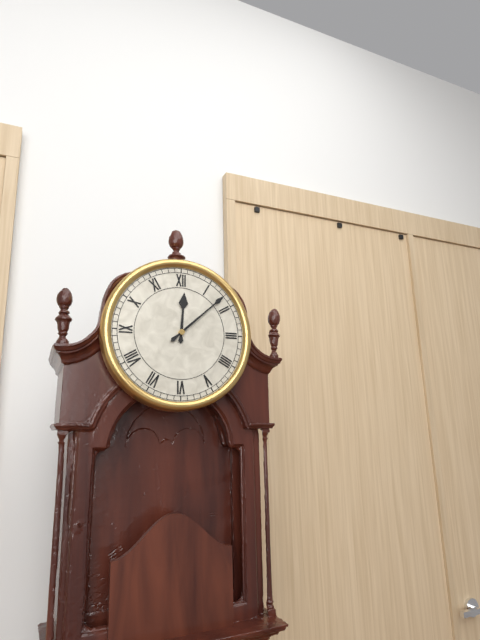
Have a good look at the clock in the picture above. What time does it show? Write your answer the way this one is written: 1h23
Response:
12h08
